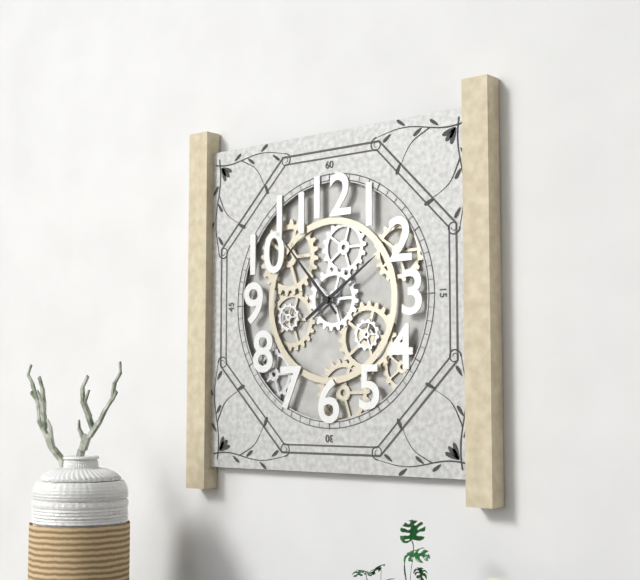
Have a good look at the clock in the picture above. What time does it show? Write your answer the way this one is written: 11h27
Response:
1h53
